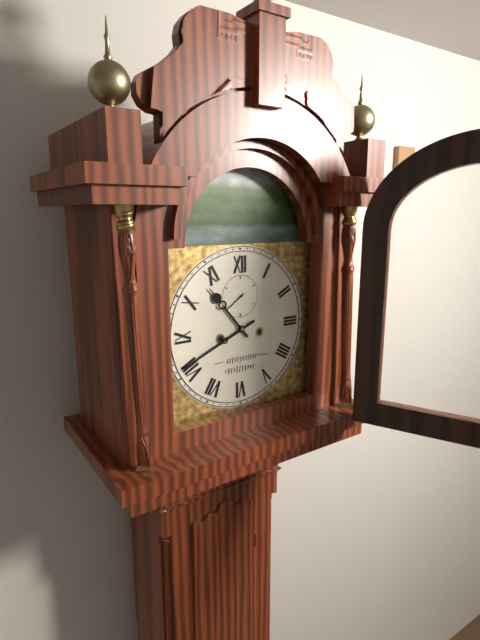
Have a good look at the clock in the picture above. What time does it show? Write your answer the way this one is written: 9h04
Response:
10h41
